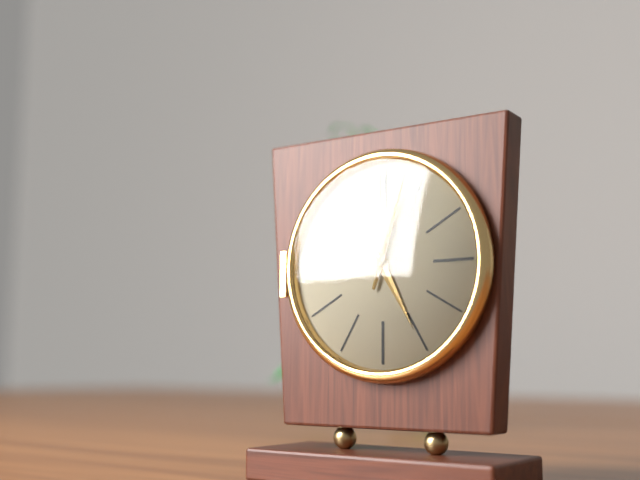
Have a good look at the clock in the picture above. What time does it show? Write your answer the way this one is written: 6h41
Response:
5h03
